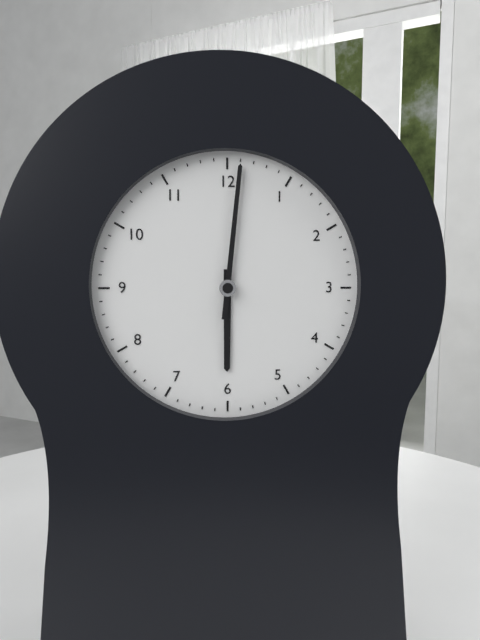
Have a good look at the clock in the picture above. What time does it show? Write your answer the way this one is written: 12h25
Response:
6h01
